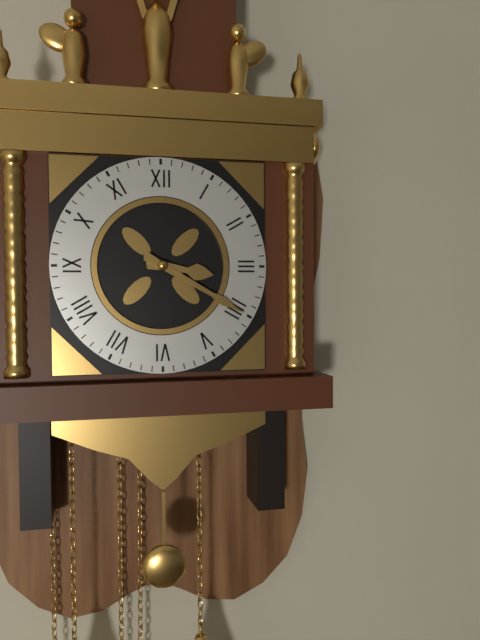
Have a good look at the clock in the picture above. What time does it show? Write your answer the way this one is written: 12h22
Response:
3h20
